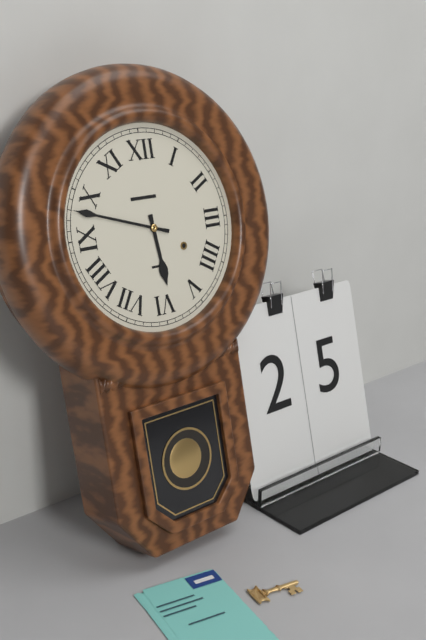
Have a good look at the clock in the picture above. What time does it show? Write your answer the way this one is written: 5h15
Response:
5h48
